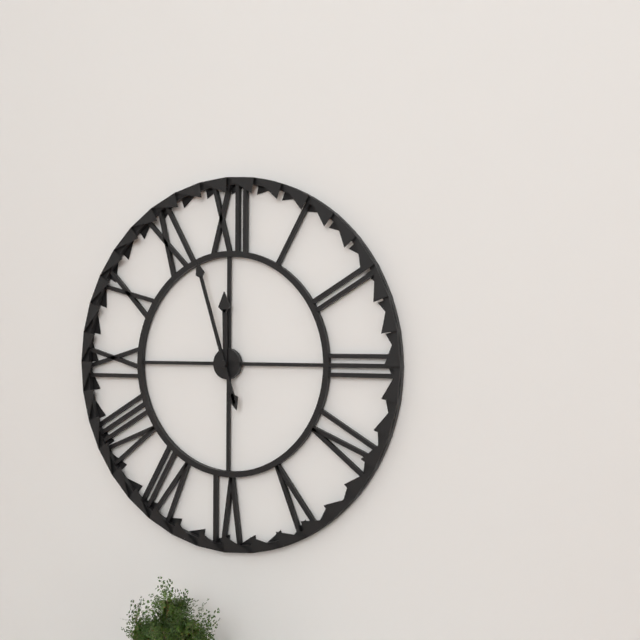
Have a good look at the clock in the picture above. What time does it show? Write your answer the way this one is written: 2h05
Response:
11h57
